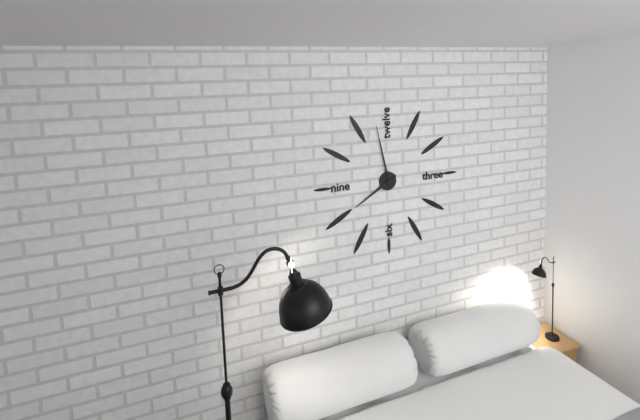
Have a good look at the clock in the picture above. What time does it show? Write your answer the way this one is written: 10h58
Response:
7h58
